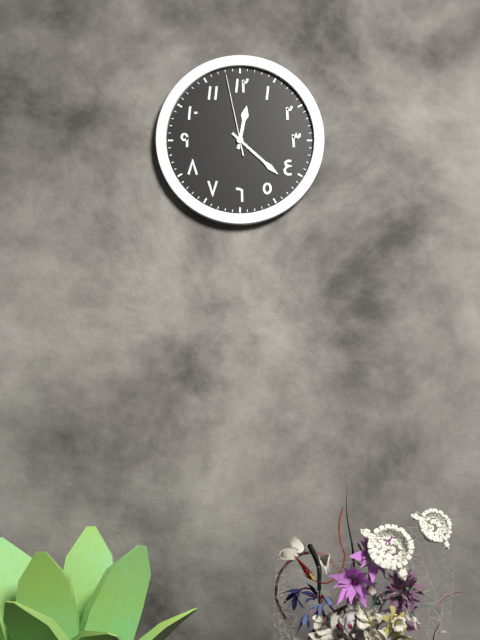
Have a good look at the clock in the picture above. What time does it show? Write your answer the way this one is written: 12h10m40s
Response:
12h22m58s
